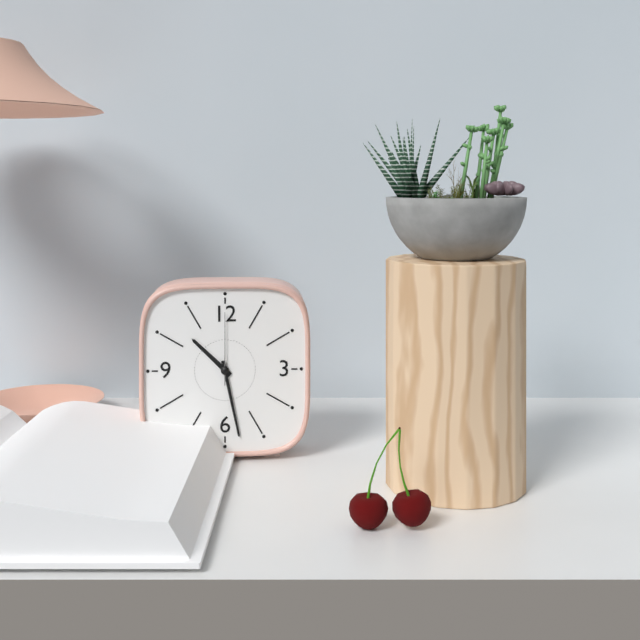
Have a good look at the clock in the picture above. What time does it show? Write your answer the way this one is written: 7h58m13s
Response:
10h28m00s
